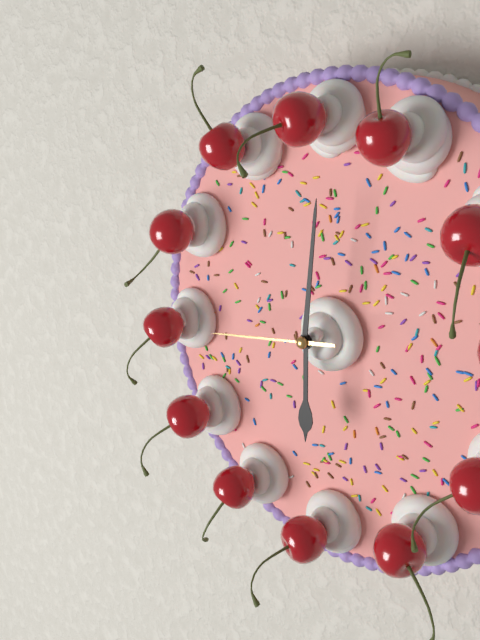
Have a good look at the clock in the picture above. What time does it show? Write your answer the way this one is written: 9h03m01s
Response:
6h01m44s
